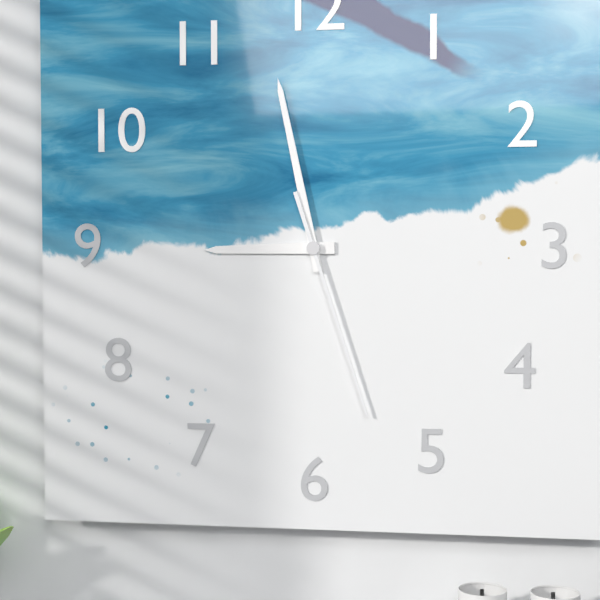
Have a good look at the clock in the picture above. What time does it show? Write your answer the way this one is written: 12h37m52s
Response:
8h58m27s
